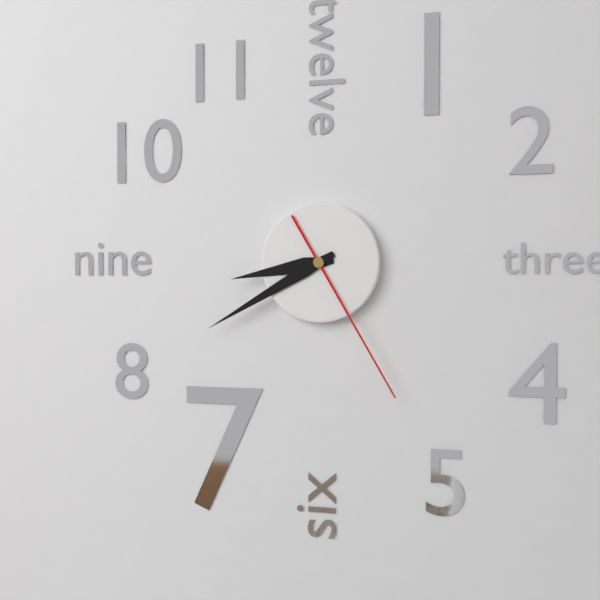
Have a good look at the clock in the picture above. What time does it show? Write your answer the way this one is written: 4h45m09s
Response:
8h40m25s
